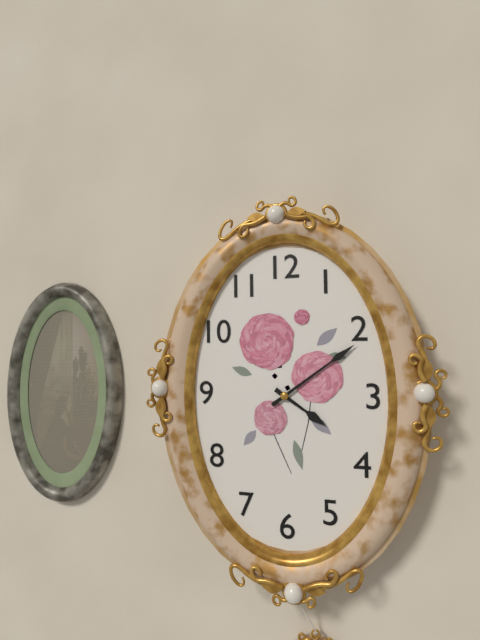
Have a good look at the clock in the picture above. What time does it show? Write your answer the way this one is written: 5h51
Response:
4h09
